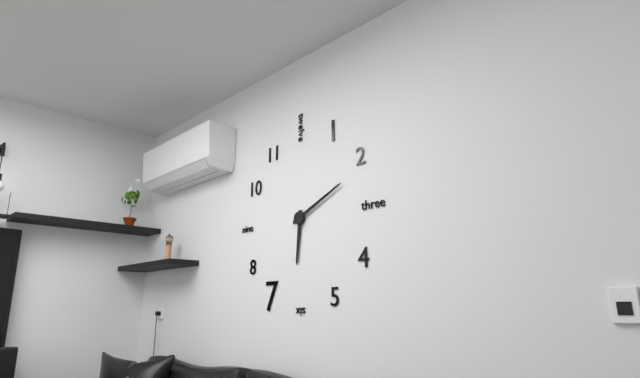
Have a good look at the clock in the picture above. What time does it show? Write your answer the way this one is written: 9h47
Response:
6h11
